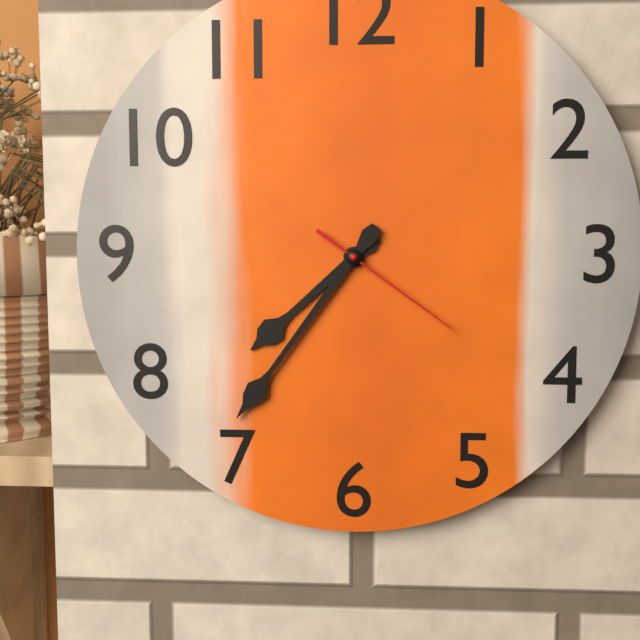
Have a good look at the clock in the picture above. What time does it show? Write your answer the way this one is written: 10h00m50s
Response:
7h36m21s
